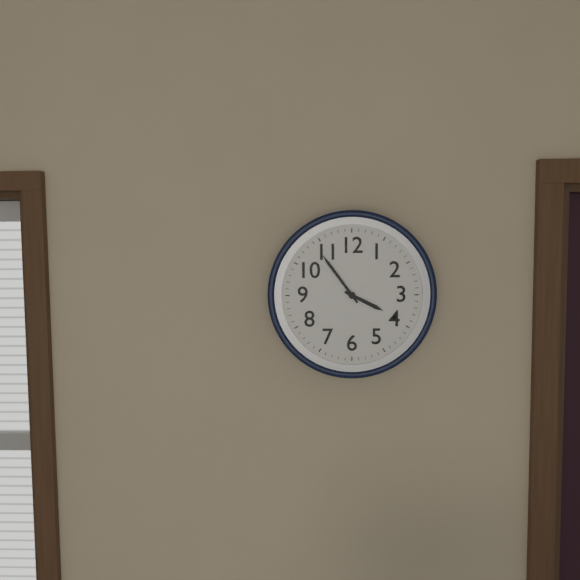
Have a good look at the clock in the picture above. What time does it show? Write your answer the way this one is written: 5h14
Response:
3h54
